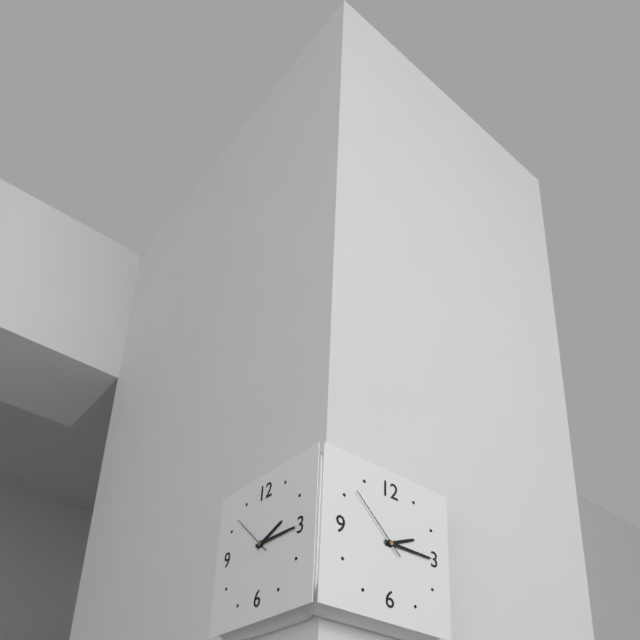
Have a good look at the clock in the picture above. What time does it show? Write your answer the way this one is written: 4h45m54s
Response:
2h15m52s
